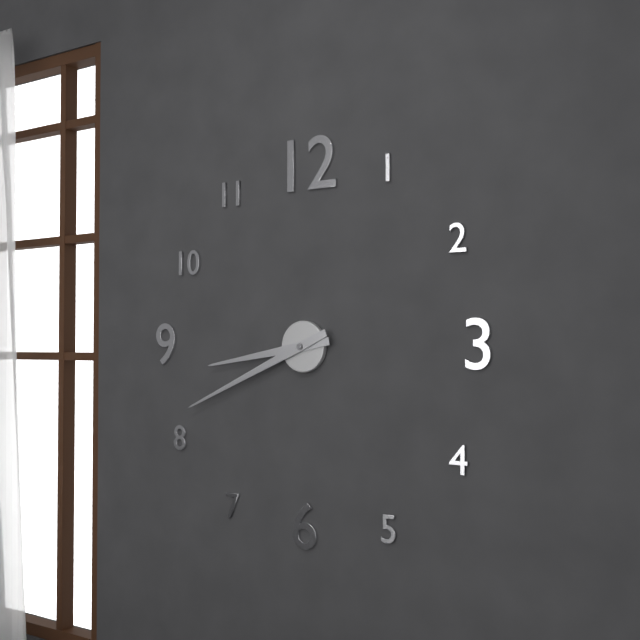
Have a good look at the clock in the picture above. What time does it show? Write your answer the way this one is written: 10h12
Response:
8h41
